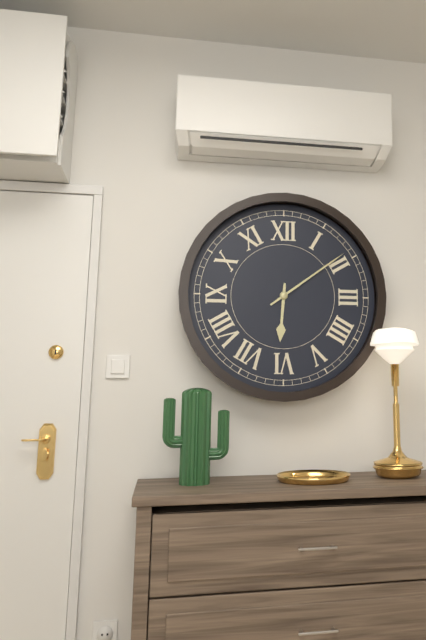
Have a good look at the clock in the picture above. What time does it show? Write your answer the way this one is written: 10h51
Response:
6h09
